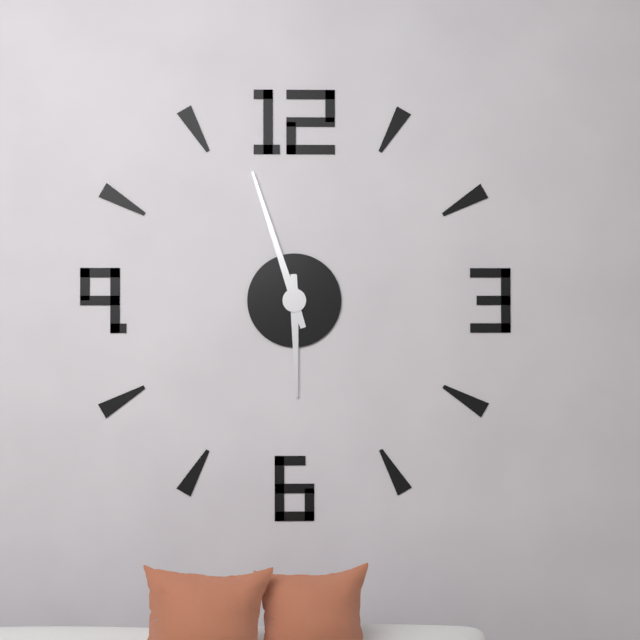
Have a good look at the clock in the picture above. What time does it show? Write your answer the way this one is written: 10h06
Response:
5h57
